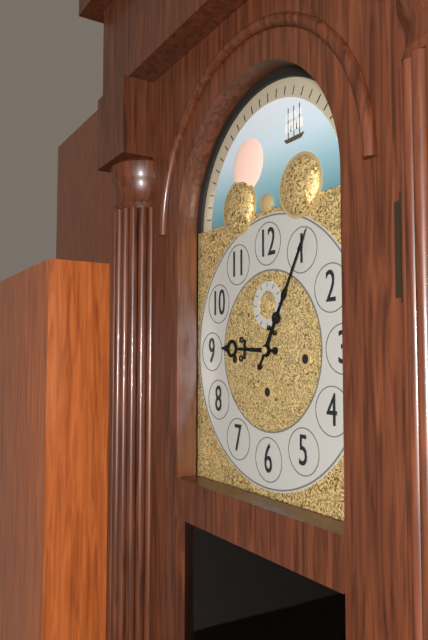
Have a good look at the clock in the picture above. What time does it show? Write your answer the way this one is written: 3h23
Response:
9h05
